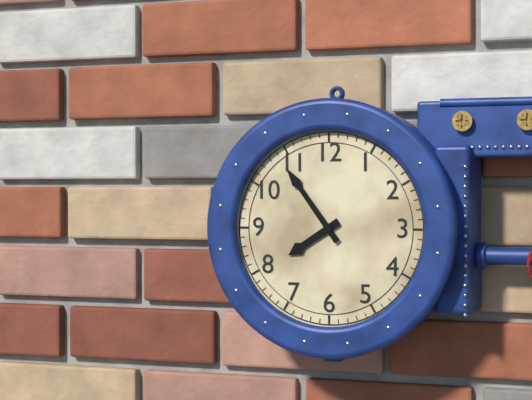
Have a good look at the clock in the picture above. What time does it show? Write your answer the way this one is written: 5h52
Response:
7h54
